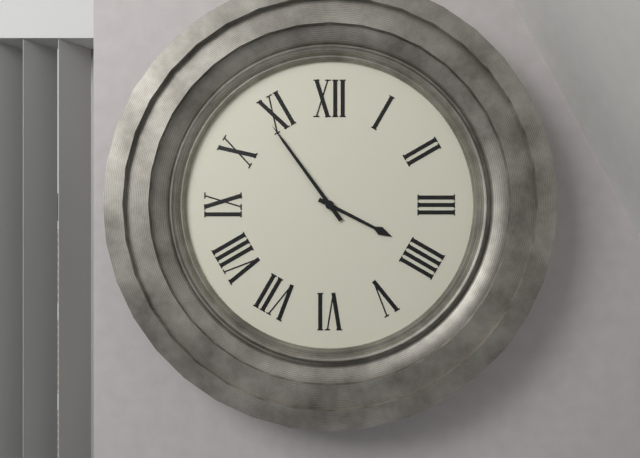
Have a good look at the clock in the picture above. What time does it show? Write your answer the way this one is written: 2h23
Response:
3h54
